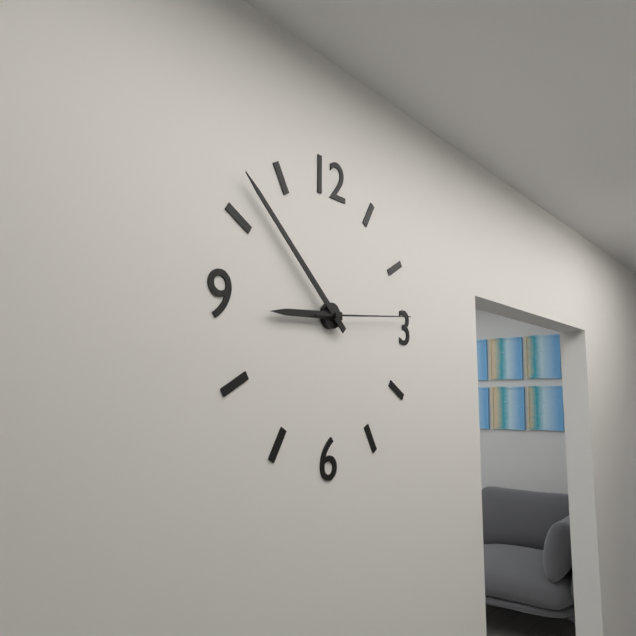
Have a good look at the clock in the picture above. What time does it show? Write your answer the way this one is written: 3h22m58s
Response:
8h52m14s
